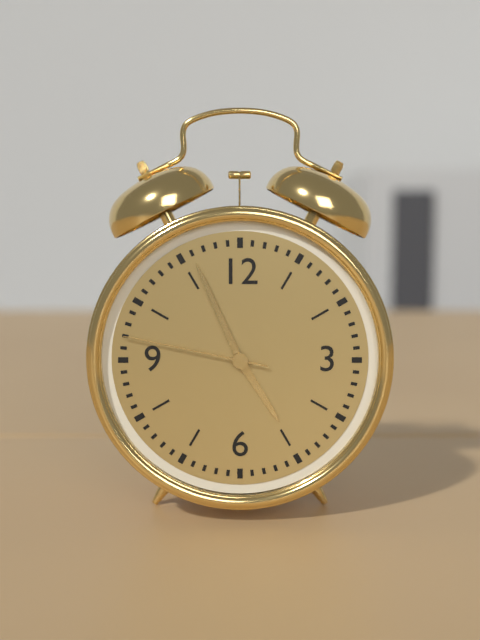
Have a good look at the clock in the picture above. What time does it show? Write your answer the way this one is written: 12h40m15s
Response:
4h56m47s
